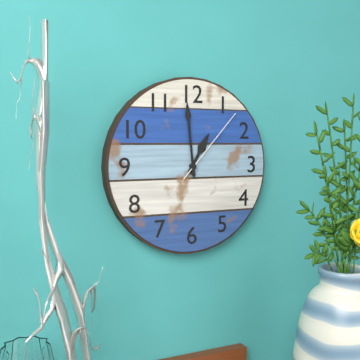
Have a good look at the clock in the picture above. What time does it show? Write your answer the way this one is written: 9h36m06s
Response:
12h59m07s
